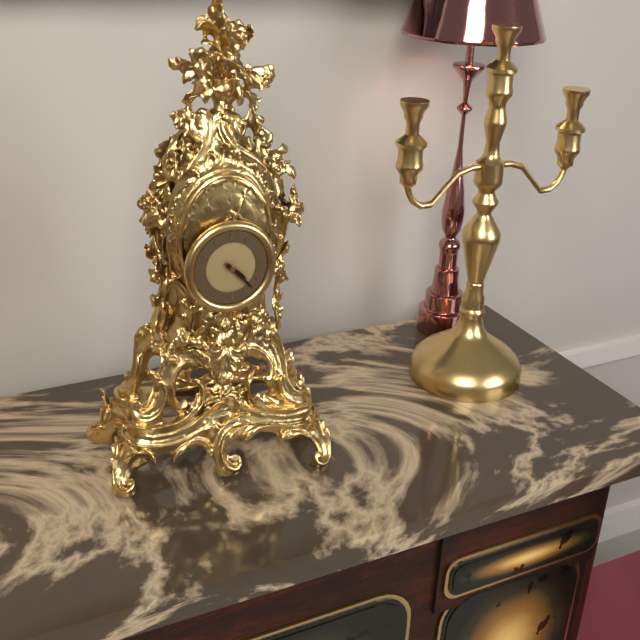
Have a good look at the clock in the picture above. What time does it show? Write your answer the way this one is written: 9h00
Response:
4h23
